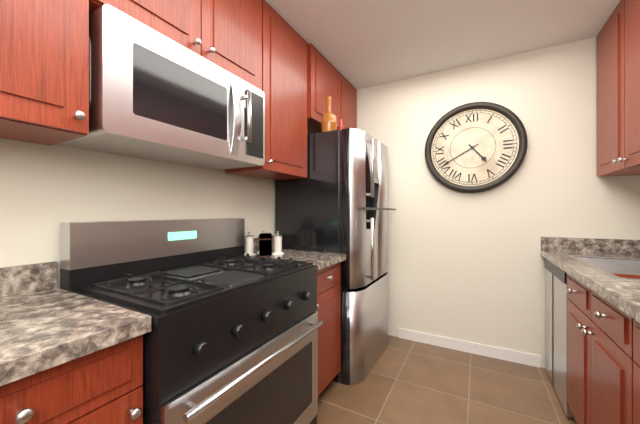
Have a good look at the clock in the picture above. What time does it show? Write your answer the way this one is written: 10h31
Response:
4h40
